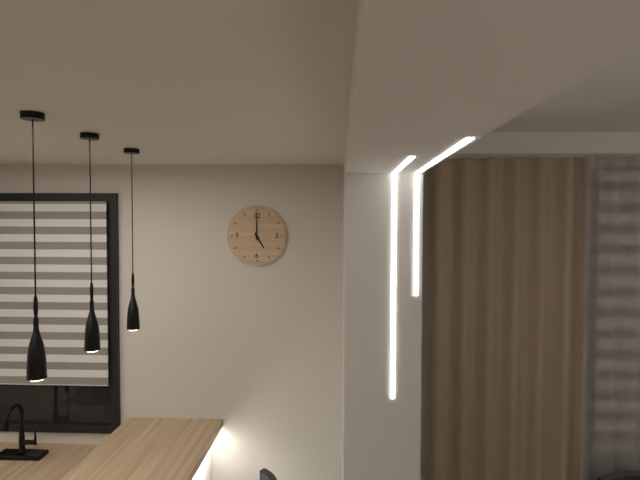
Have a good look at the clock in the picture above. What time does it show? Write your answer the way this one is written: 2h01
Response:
5h00
